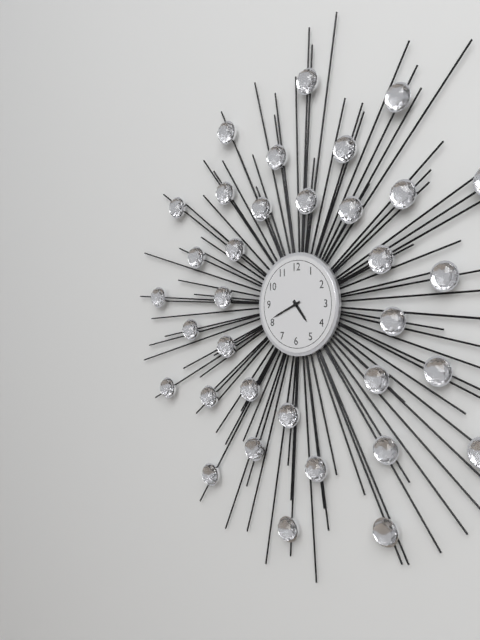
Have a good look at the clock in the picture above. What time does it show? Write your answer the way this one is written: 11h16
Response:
4h41
